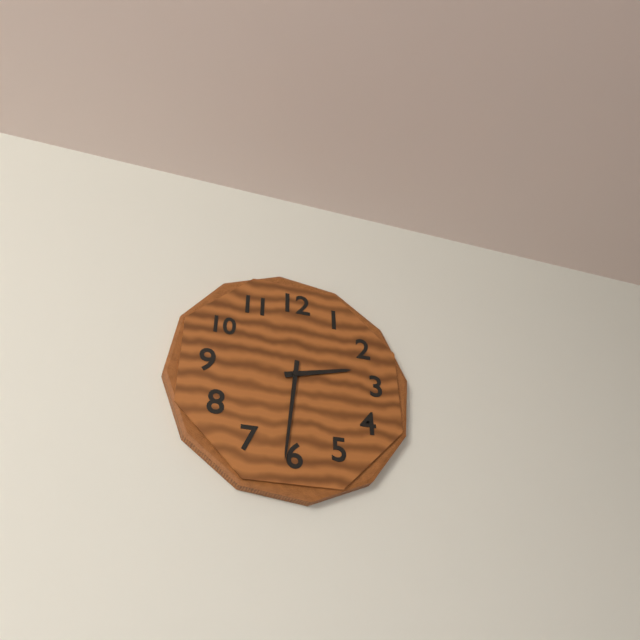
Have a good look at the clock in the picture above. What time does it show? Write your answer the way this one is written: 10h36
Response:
2h31
